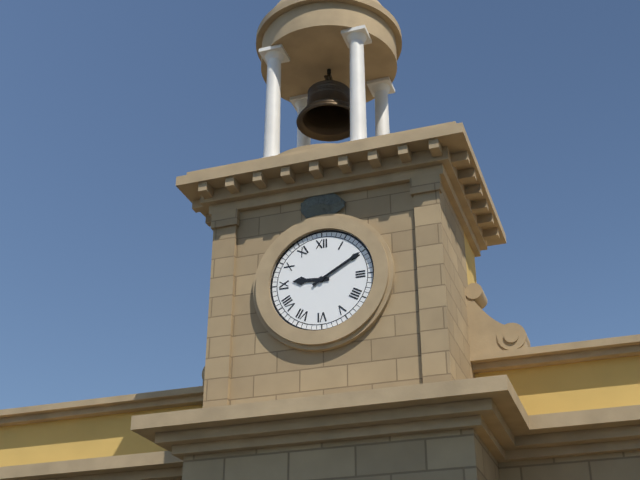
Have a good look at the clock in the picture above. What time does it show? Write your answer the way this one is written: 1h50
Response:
9h10
